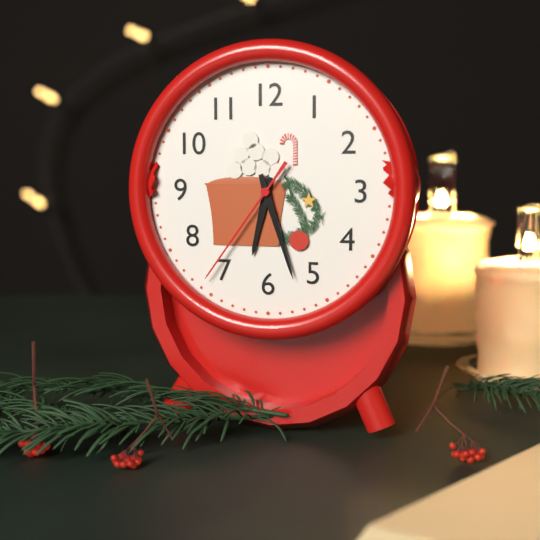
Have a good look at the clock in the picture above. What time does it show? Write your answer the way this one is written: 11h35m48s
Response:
6h27m36s
